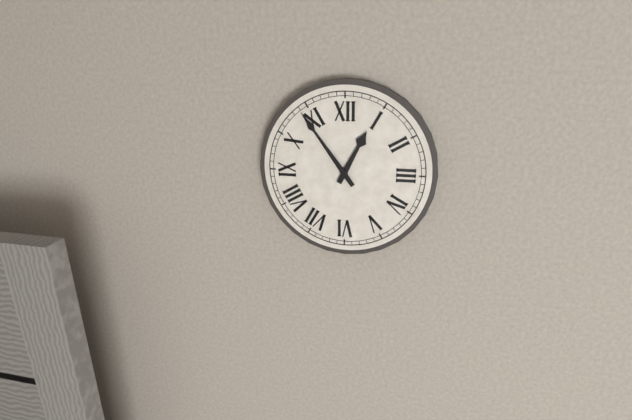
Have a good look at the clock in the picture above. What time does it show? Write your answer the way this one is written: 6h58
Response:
12h54
